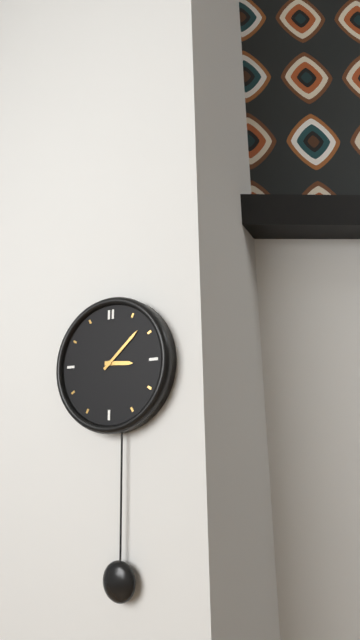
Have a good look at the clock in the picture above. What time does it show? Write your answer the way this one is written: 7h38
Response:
3h08
